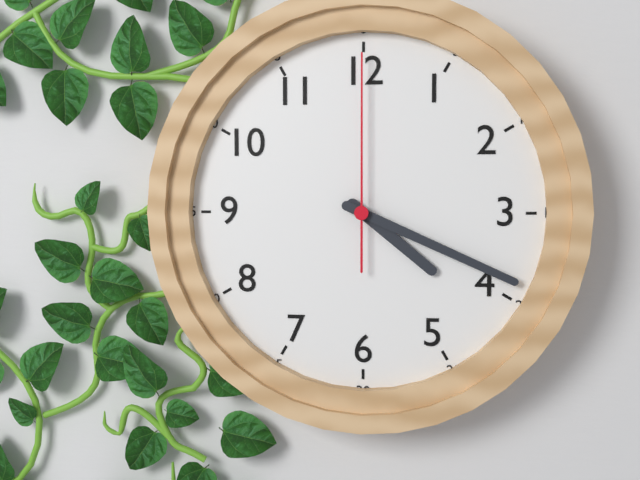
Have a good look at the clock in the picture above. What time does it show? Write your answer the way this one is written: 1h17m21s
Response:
4h19m00s
